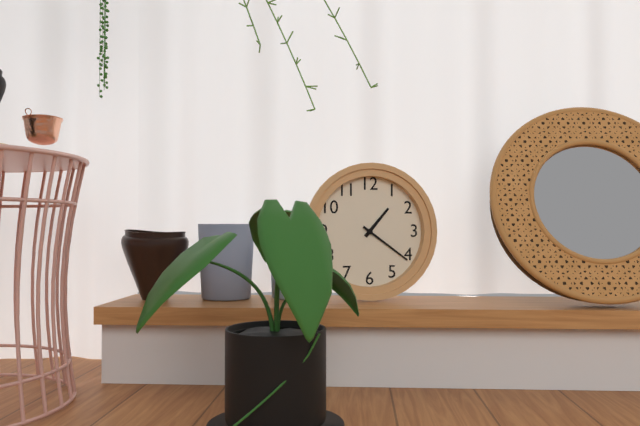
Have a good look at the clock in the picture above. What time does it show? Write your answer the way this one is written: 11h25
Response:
1h21
